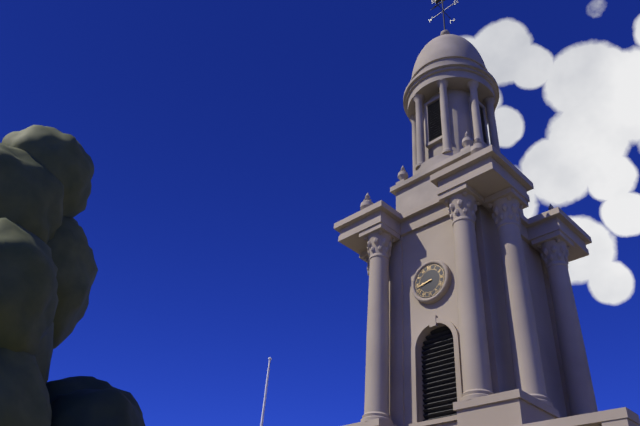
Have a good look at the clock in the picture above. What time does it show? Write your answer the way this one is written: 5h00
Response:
8h43
